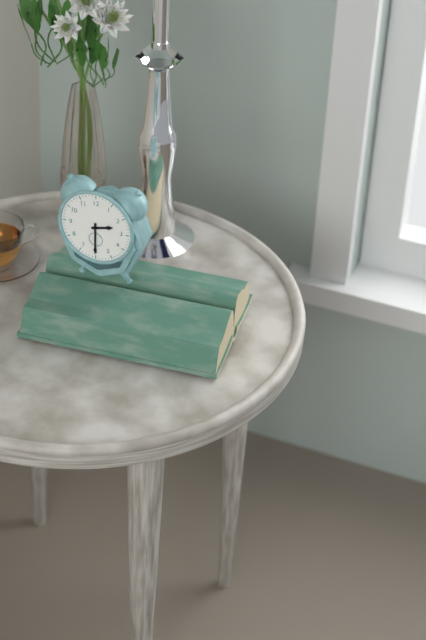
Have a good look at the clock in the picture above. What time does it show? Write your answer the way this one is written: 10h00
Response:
2h30
